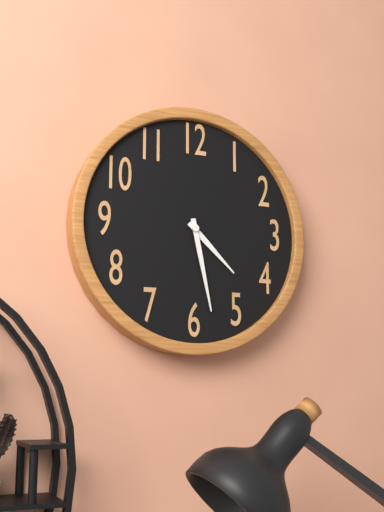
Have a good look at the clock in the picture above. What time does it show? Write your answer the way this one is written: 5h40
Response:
4h28
